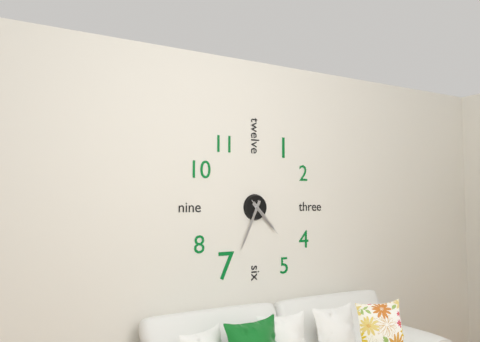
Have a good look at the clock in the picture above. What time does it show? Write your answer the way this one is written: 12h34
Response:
4h34
